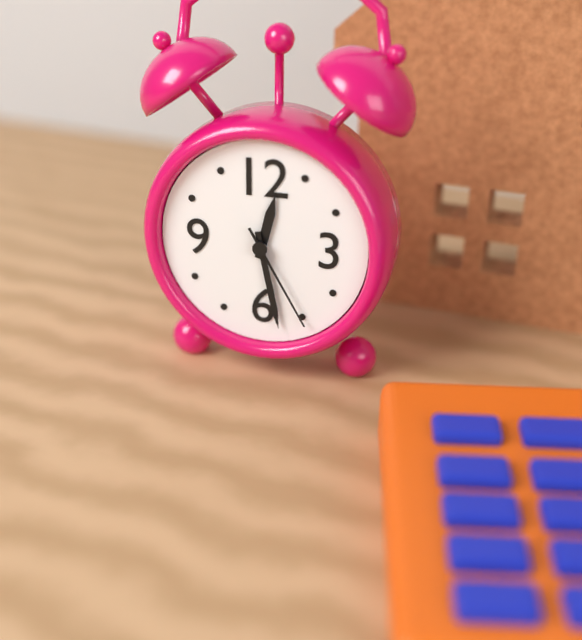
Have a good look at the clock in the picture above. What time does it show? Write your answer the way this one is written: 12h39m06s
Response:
12h28m25s
